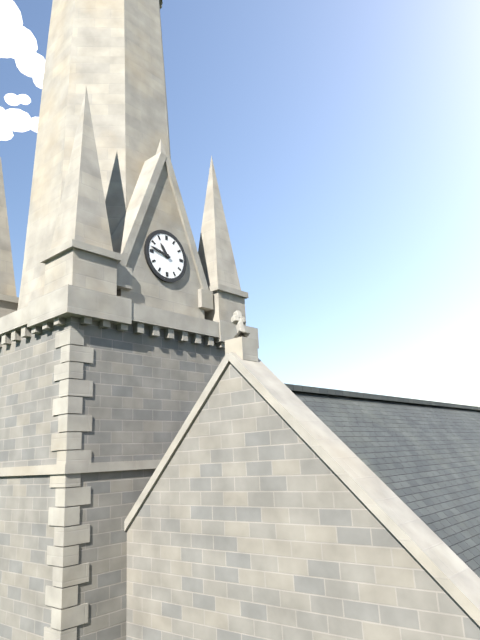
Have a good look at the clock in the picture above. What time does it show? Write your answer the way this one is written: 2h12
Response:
10h47
